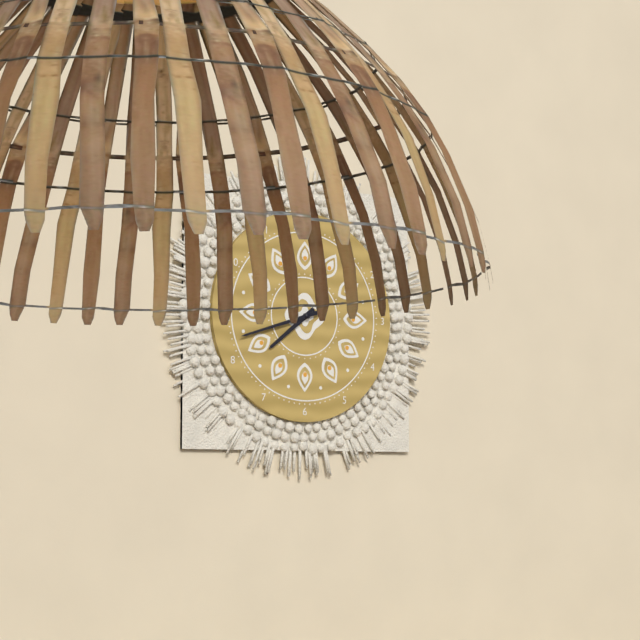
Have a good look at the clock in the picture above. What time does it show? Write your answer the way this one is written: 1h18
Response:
7h42
